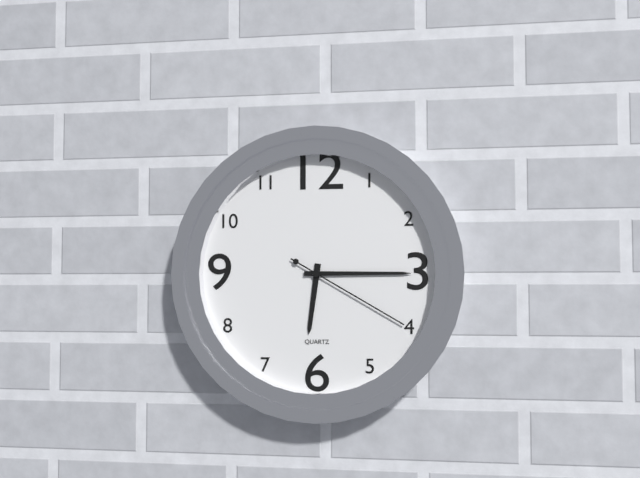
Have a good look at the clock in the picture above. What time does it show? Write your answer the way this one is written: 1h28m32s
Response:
6h15m20s
